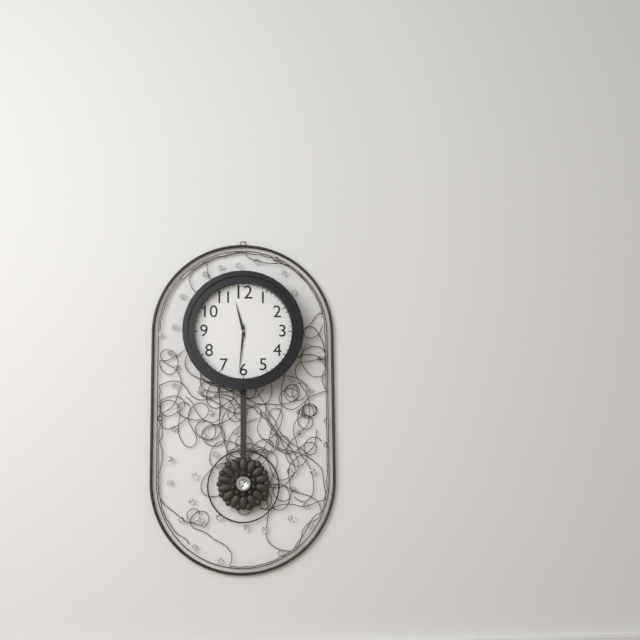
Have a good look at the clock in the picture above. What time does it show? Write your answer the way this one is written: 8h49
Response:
11h31
